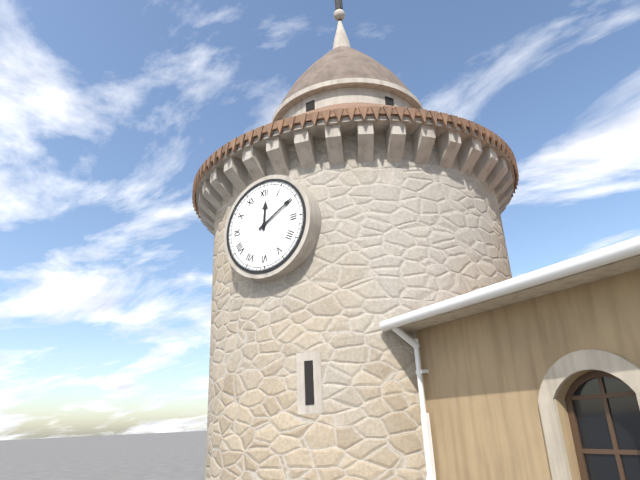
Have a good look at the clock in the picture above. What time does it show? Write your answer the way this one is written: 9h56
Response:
12h10
